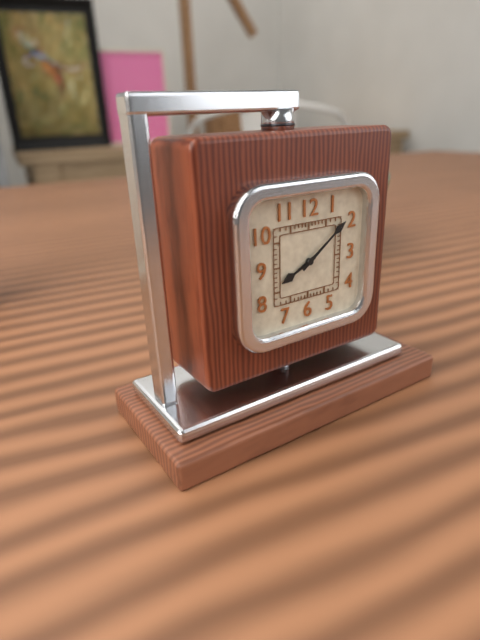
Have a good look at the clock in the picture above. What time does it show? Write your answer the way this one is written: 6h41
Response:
8h09
